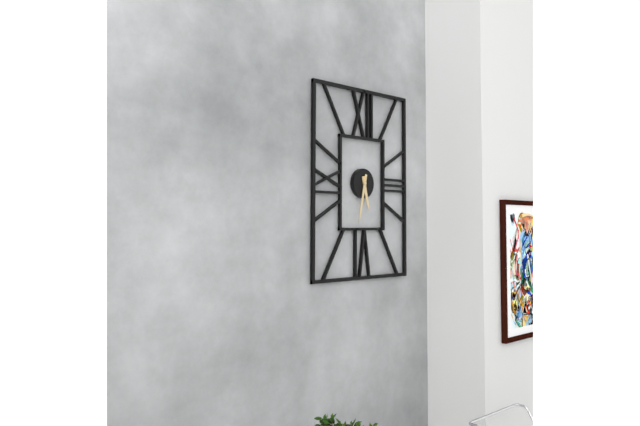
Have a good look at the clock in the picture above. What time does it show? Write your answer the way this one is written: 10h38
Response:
5h32
